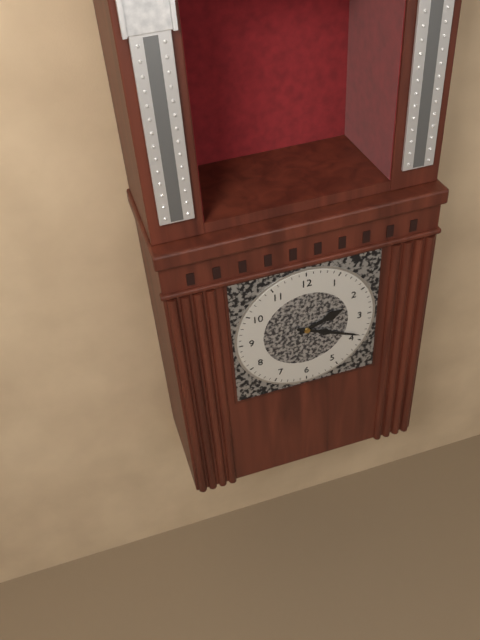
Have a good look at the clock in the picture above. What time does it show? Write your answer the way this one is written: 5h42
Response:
2h19
